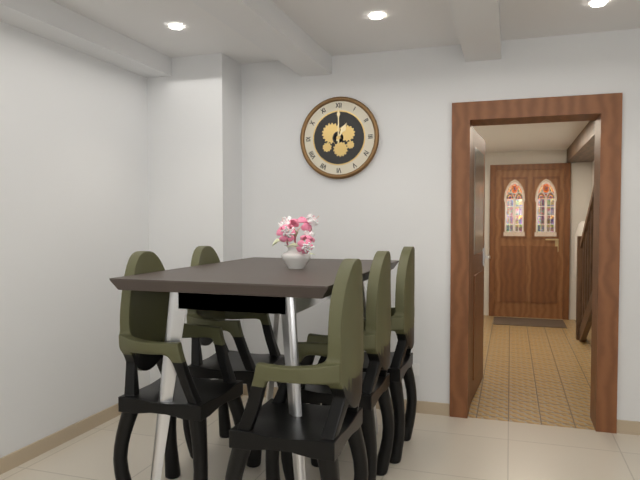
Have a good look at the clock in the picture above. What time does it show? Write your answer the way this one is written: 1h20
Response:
1h00
